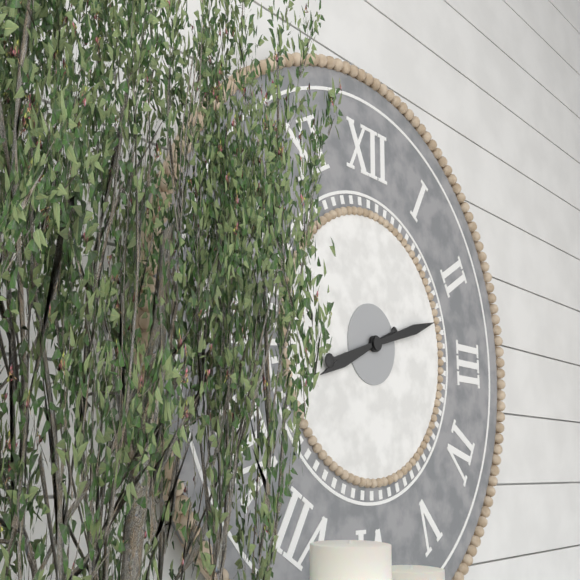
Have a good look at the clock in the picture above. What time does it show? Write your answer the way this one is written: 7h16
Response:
8h12
